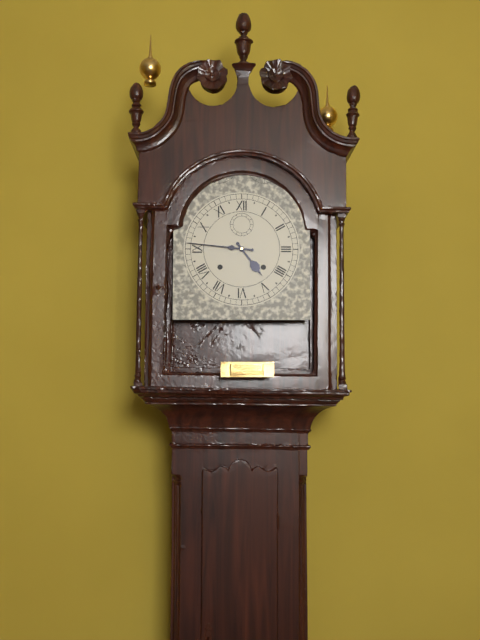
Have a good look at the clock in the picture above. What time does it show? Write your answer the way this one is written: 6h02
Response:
4h46
